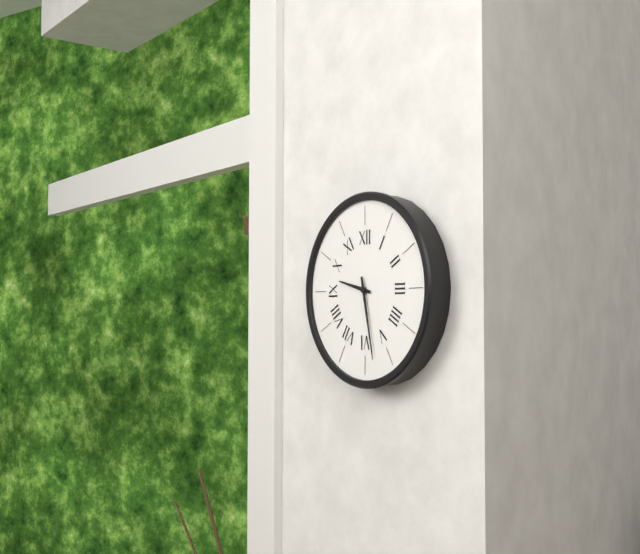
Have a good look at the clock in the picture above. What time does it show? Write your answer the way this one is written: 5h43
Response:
9h28
